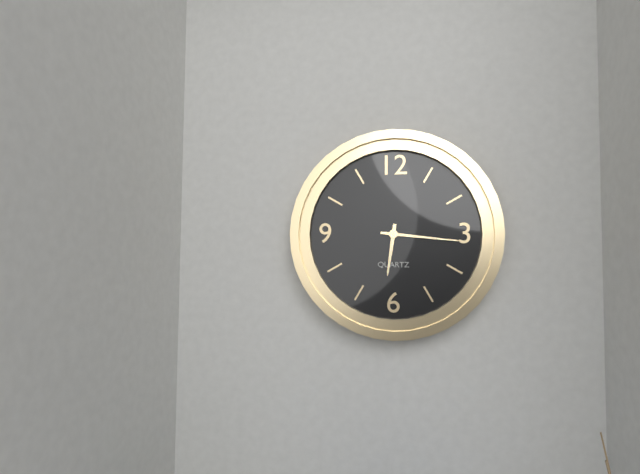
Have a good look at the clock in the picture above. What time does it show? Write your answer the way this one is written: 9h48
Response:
6h16
